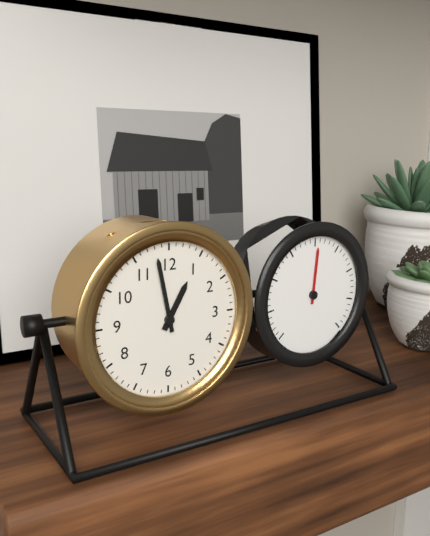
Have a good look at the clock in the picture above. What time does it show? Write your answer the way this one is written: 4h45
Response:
12h58
